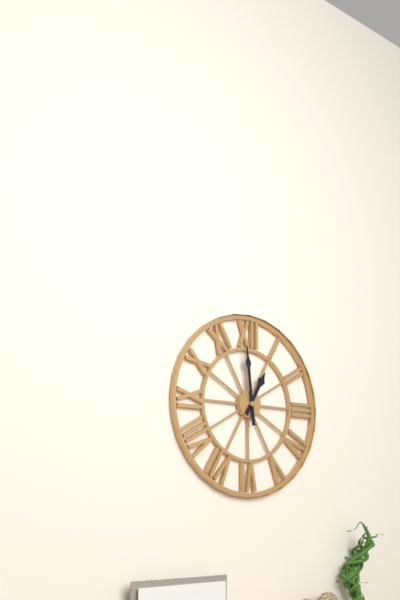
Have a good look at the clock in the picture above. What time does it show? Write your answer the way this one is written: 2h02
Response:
12h59
